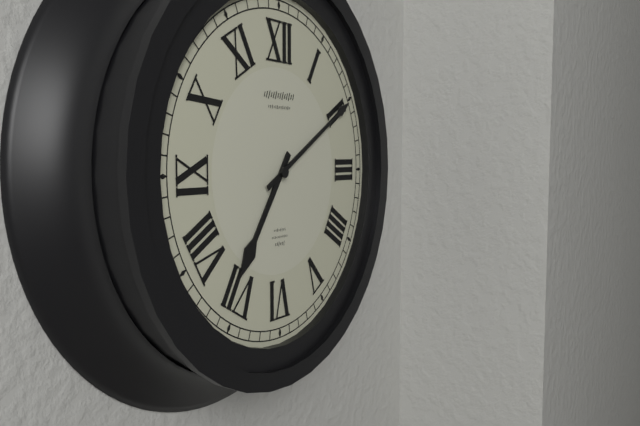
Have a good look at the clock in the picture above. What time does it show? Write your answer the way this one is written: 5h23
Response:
7h10
